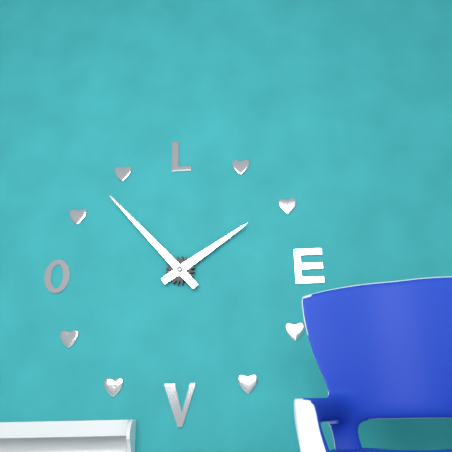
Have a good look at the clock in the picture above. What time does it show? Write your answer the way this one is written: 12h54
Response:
1h53
